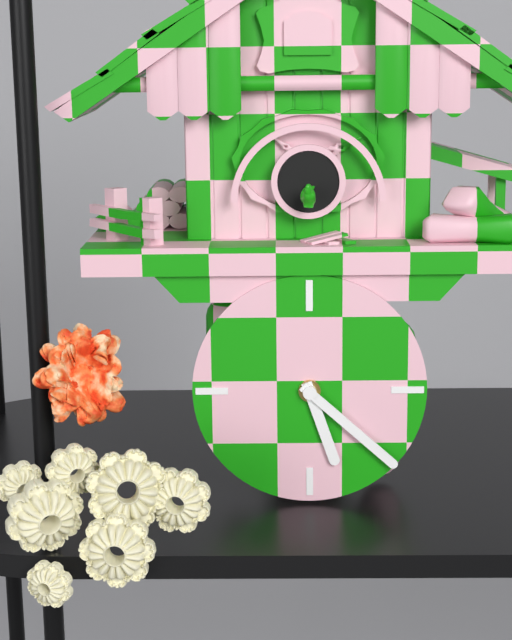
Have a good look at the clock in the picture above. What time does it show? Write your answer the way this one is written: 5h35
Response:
5h22
